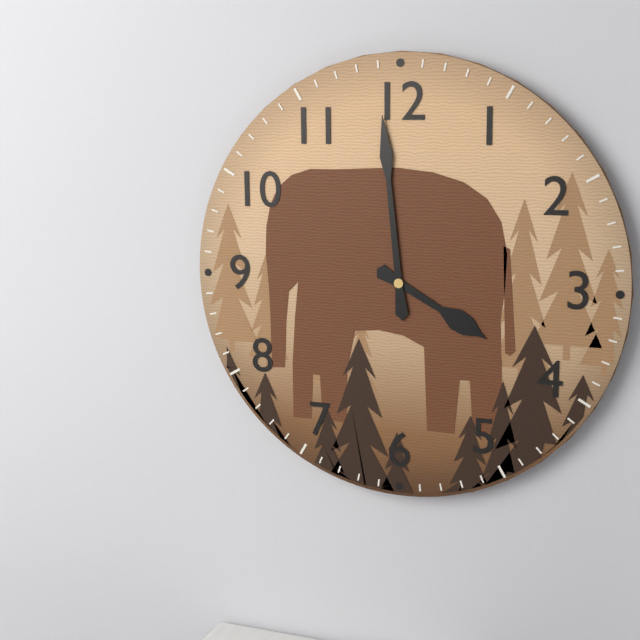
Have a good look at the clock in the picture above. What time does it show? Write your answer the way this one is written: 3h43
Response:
3h59
